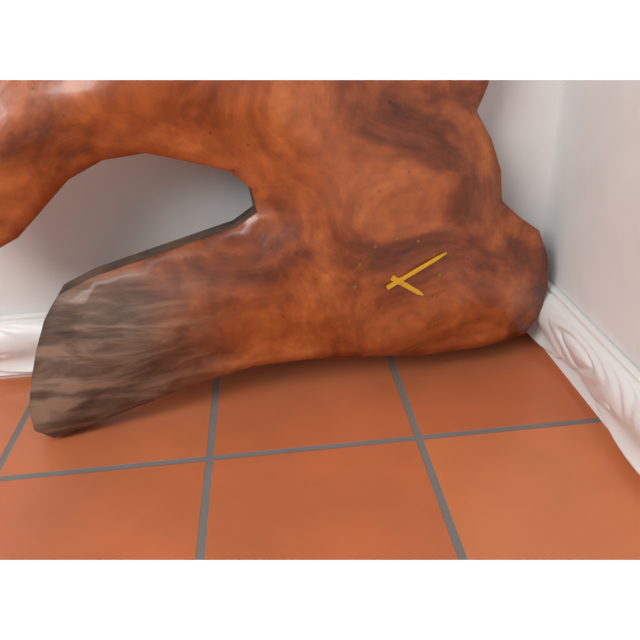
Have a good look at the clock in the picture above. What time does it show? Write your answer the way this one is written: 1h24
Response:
4h11
